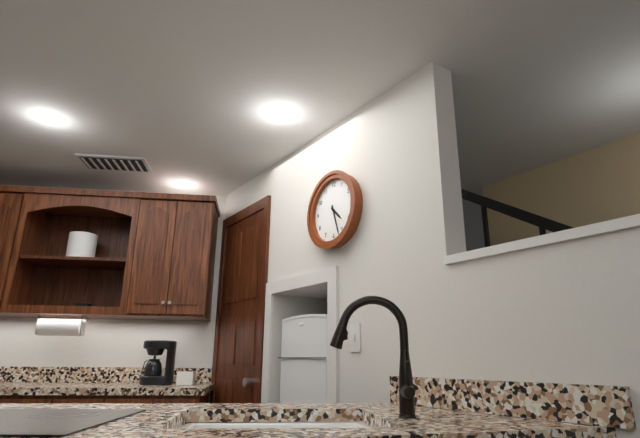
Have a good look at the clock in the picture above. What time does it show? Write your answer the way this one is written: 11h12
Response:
4h27
